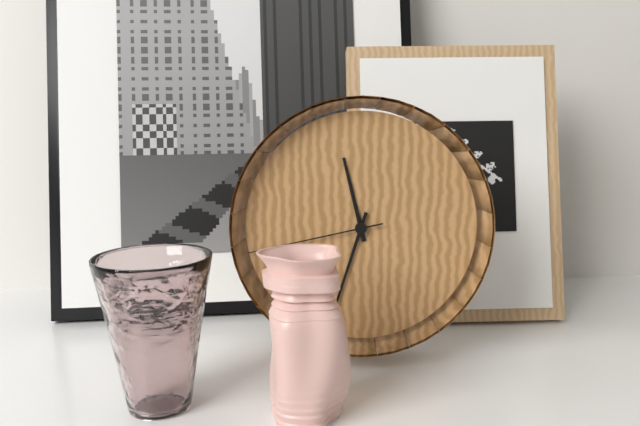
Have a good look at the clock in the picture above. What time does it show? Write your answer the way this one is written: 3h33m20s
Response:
11h33m43s
